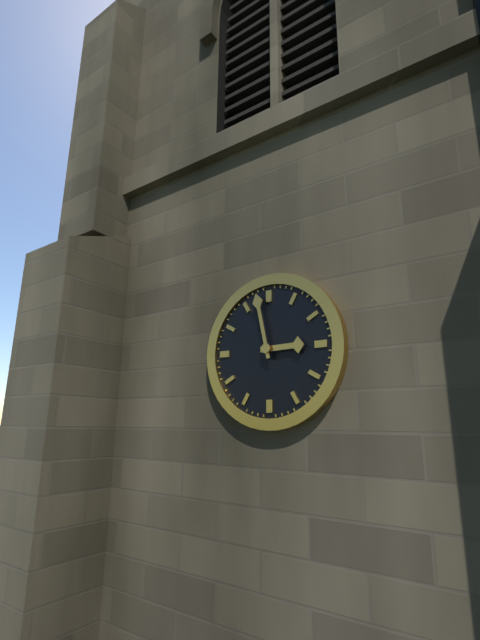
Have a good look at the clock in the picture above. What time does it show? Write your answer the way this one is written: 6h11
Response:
2h58
